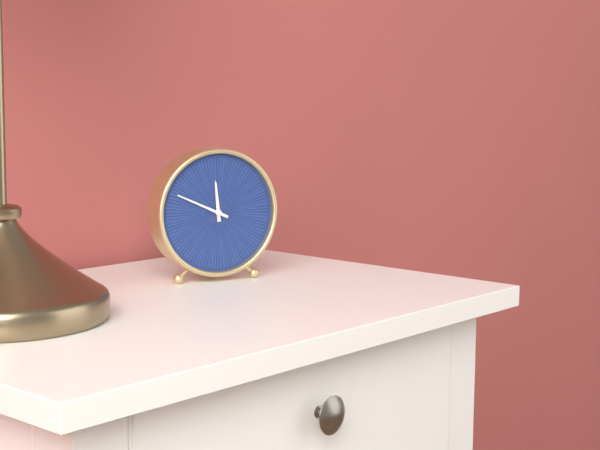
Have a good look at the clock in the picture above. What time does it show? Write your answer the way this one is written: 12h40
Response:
11h49
